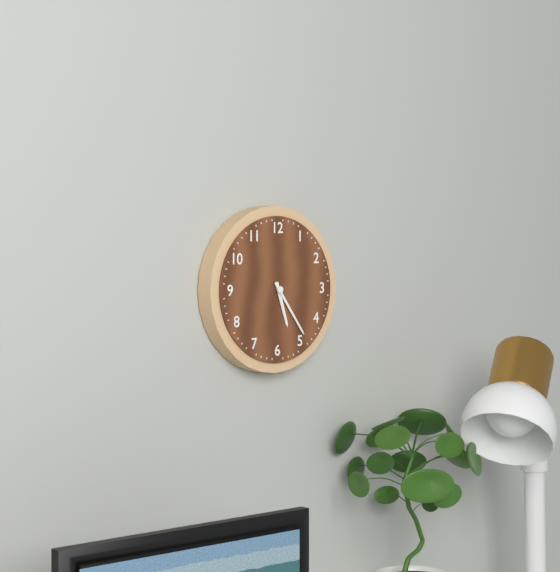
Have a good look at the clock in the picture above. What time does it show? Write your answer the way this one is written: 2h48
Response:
5h24
